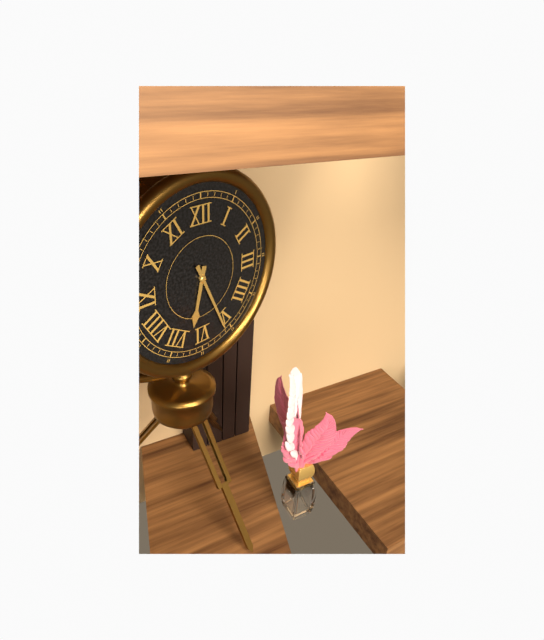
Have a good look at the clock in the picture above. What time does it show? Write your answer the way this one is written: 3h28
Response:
6h26
